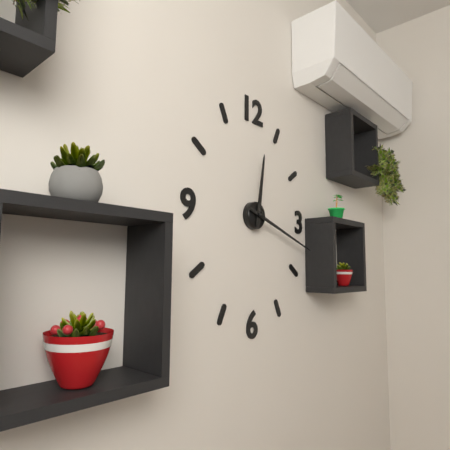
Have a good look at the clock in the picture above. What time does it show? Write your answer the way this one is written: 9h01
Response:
12h18
